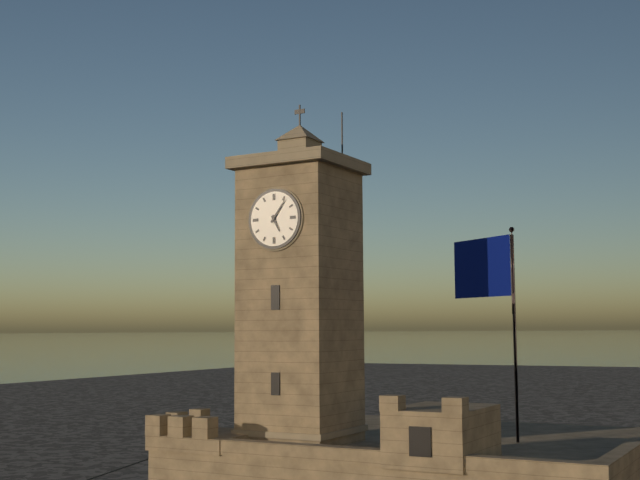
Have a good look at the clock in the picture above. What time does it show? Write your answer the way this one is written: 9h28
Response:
5h06
